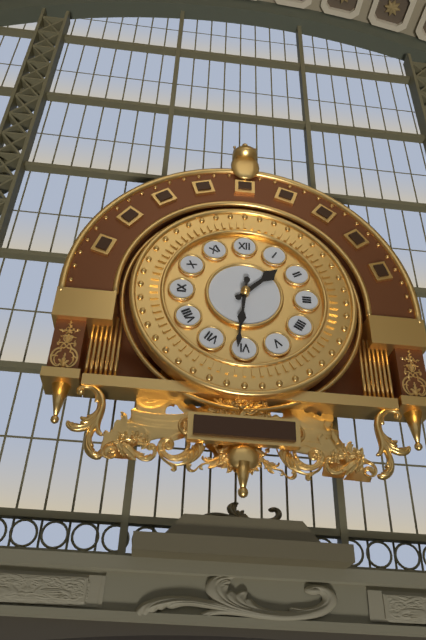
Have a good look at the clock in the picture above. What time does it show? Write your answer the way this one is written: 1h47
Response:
1h31
